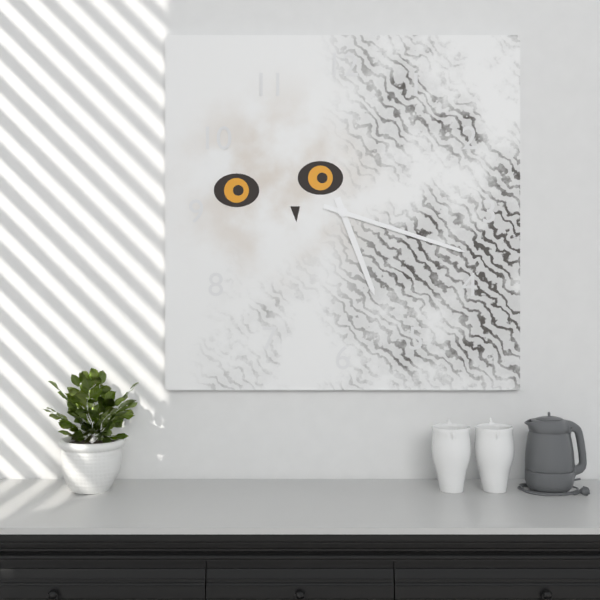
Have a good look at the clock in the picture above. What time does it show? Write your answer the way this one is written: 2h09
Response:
5h18
